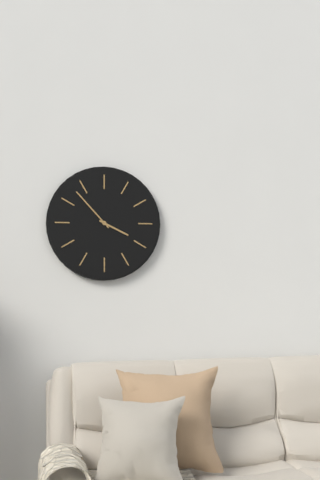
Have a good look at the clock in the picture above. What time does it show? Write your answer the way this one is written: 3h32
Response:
3h53
